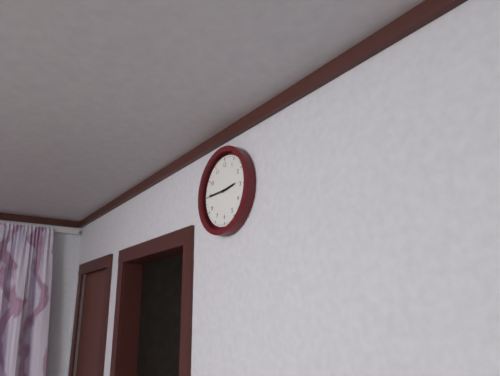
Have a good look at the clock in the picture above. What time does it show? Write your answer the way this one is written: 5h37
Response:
2h45
